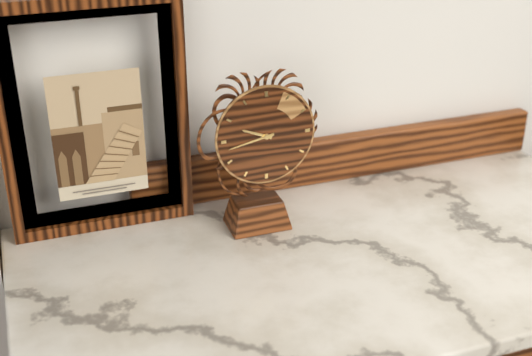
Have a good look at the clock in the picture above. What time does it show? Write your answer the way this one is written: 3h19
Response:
9h43
